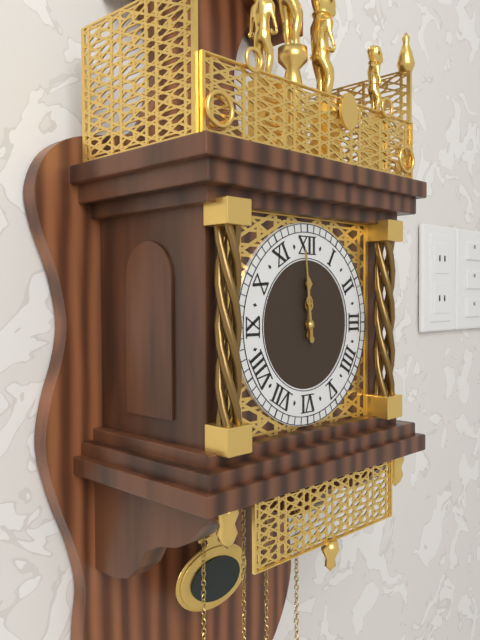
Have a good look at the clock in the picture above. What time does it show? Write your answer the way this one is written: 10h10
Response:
11h59
